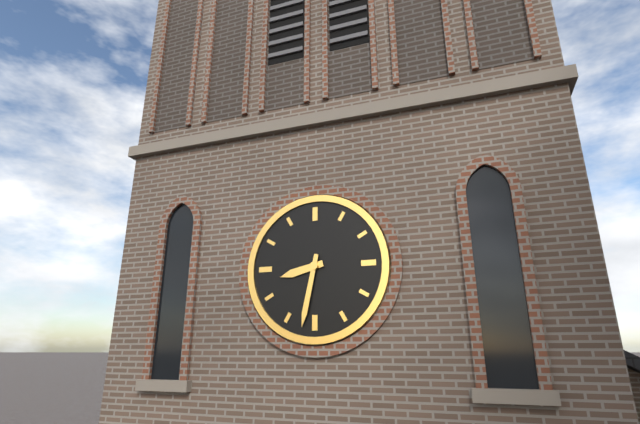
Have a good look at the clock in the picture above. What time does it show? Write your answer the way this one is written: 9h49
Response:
8h32
